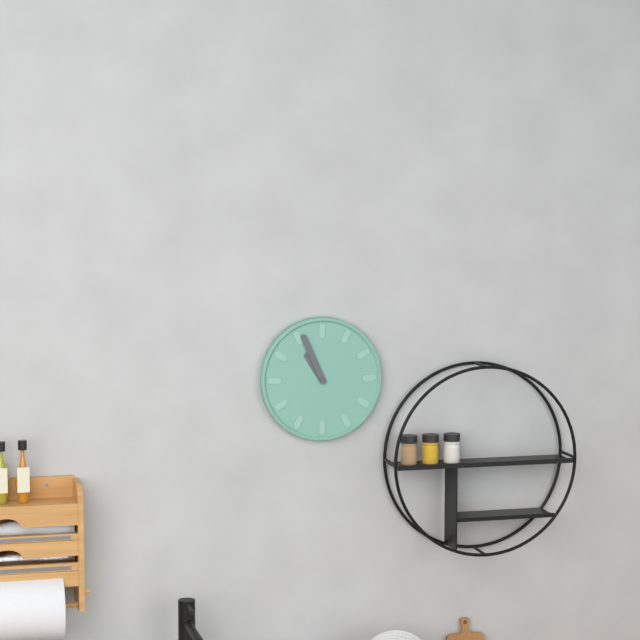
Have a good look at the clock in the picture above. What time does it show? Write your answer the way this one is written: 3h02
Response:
10h56
